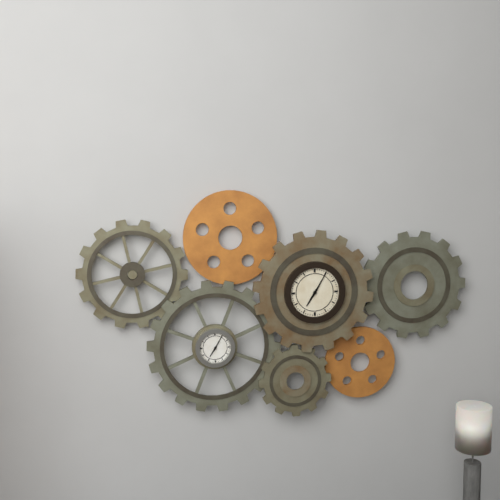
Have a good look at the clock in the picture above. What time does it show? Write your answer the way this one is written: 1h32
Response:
7h05
